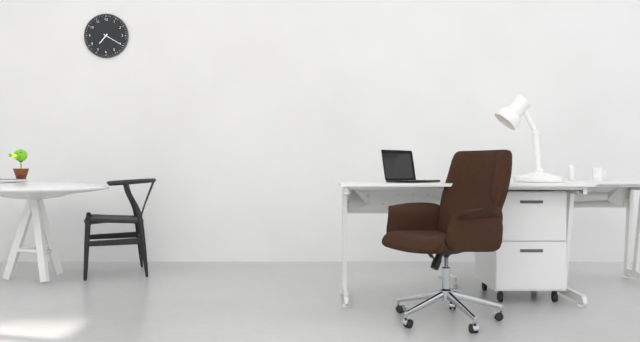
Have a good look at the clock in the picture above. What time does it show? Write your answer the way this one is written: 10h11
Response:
7h20
